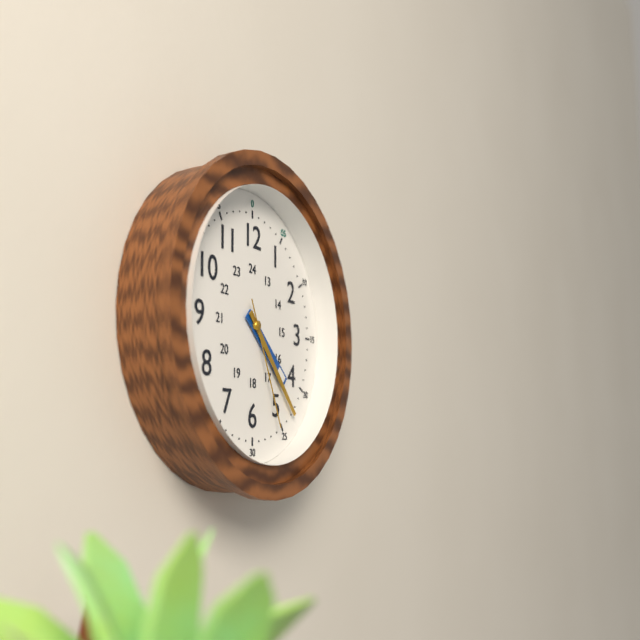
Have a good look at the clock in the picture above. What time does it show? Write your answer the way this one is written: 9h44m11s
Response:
4h23m26s
